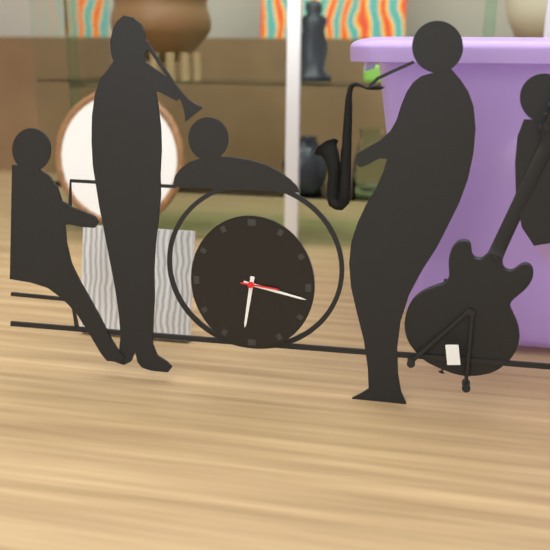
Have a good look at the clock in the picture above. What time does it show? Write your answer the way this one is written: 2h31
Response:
6h17
